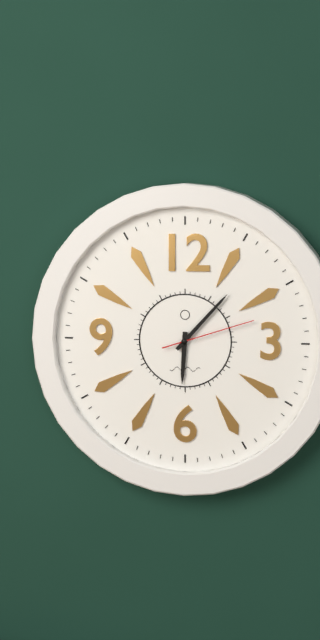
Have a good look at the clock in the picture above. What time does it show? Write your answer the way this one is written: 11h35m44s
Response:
6h07m12s
